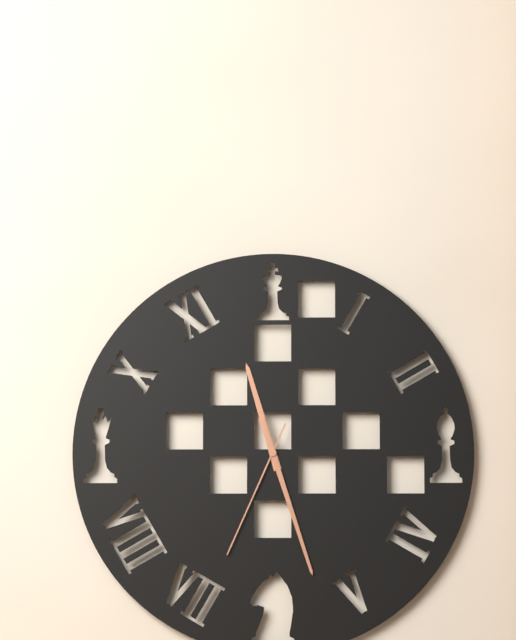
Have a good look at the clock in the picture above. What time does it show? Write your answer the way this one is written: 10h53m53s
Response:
11h27m34s
